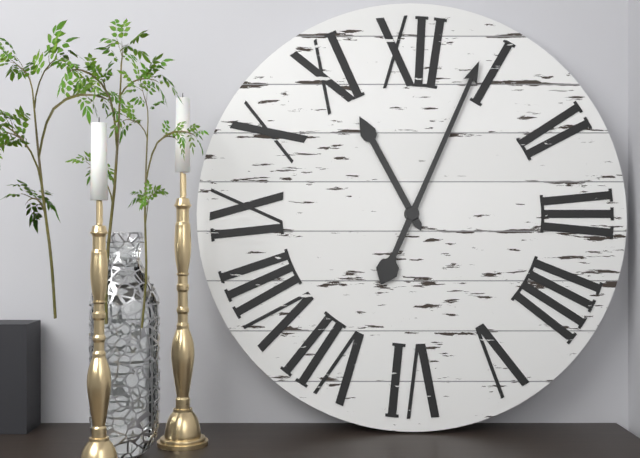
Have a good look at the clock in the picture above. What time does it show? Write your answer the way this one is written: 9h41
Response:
11h04
